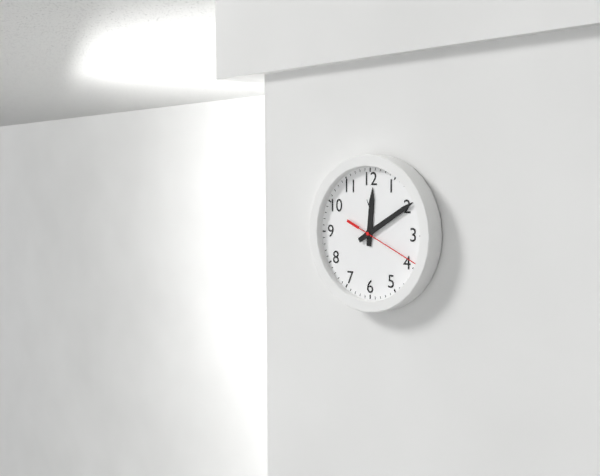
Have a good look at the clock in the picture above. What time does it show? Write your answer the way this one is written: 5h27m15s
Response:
12h10m19s
